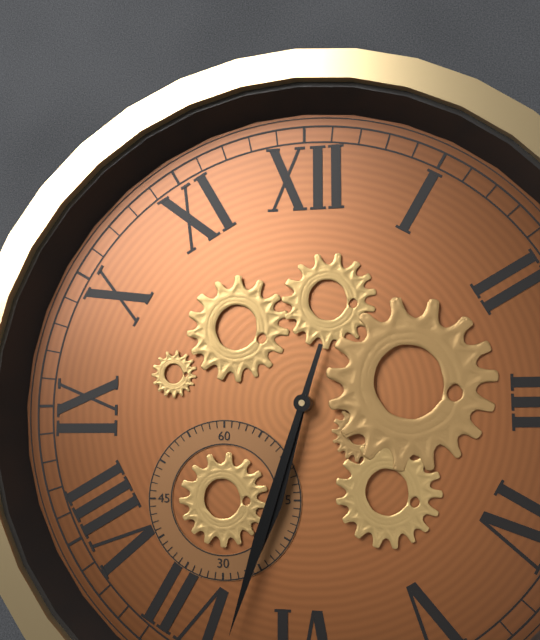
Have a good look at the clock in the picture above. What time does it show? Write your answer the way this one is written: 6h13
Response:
6h33
